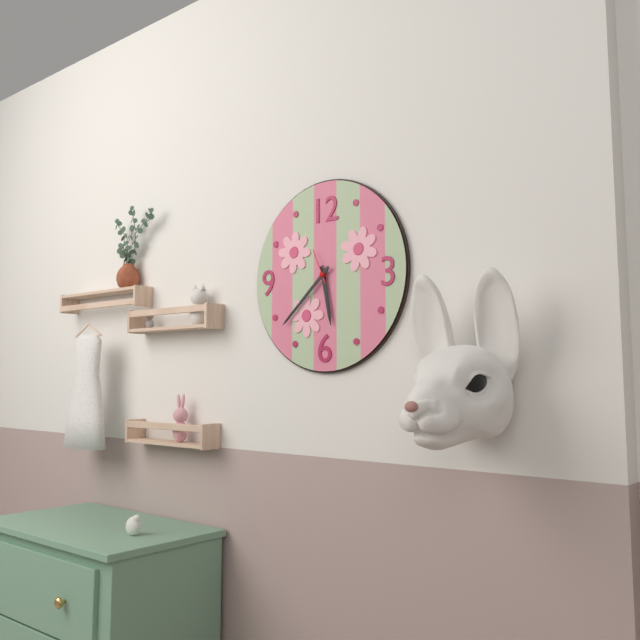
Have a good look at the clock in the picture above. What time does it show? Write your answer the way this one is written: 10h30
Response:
5h38
